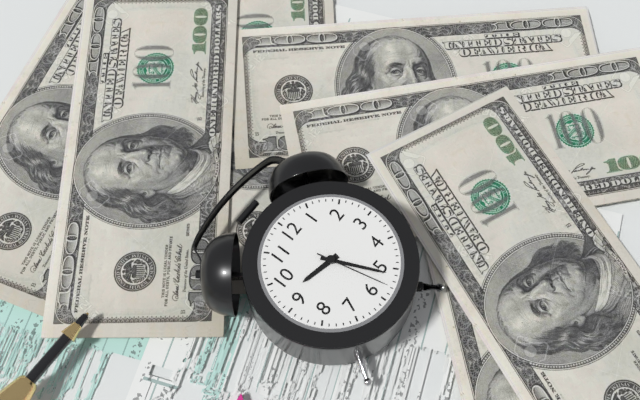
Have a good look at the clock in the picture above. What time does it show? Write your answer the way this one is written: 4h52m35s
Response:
9h26m28s
